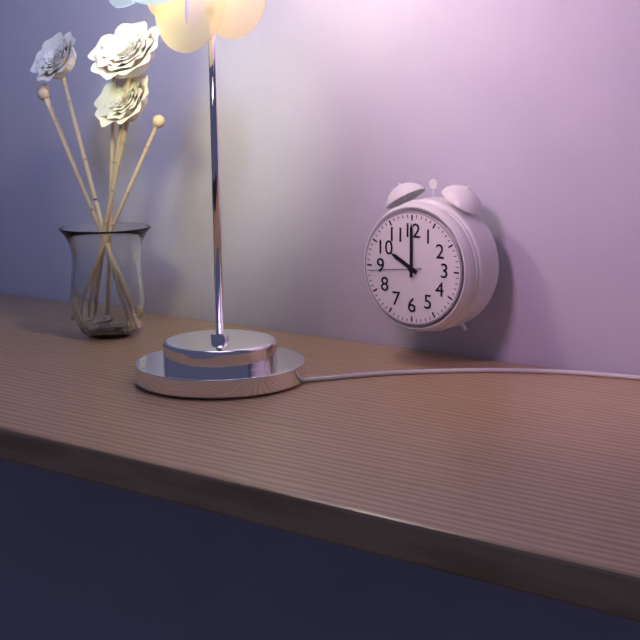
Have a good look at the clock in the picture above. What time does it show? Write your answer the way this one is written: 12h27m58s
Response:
10h00m44s
